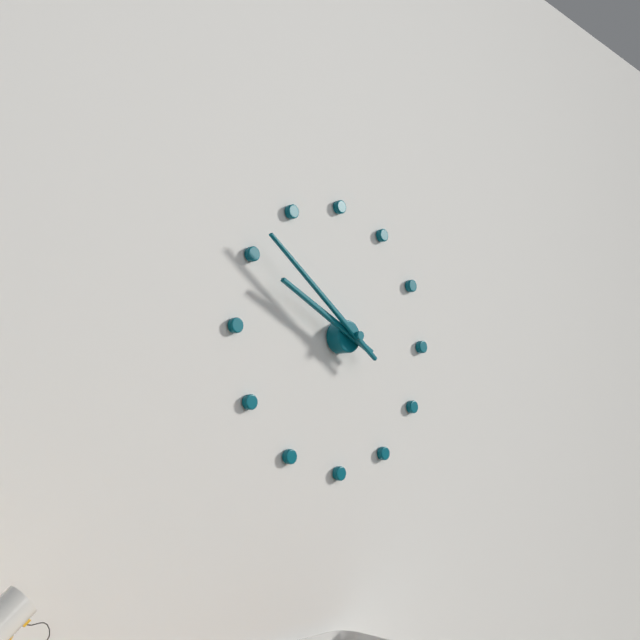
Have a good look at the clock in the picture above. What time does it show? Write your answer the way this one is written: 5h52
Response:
9h51
